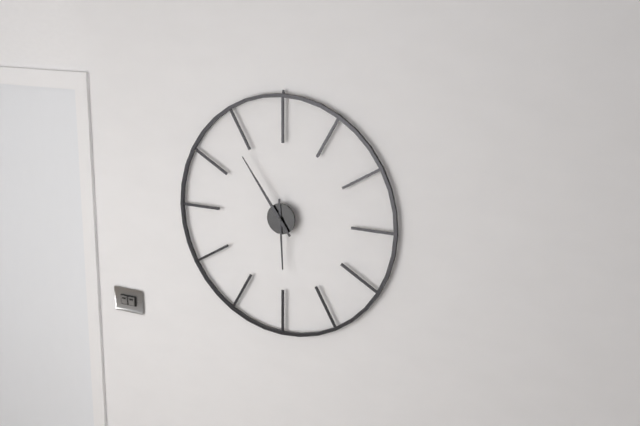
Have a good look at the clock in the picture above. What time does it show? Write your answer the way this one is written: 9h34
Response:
5h54
